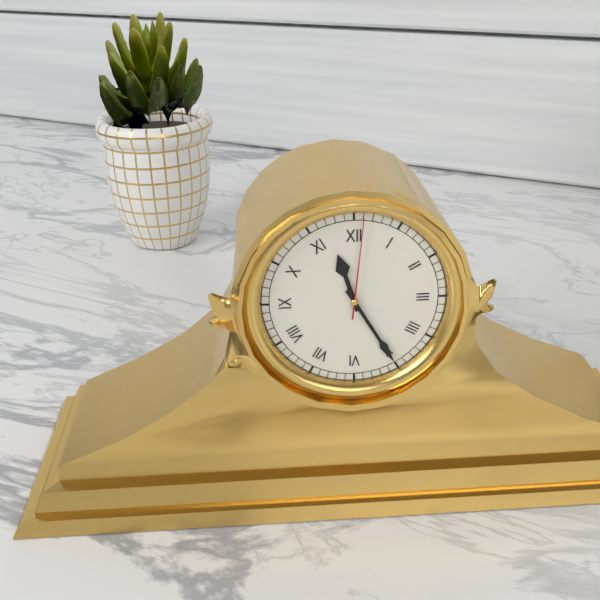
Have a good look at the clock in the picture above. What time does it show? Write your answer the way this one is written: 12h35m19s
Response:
11h25m01s
